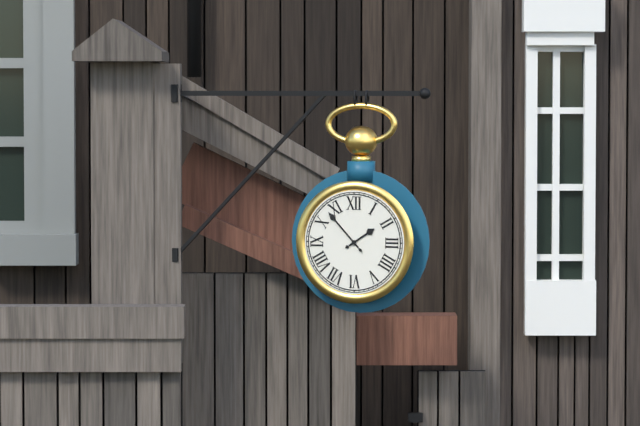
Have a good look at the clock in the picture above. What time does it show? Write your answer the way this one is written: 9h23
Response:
1h53
